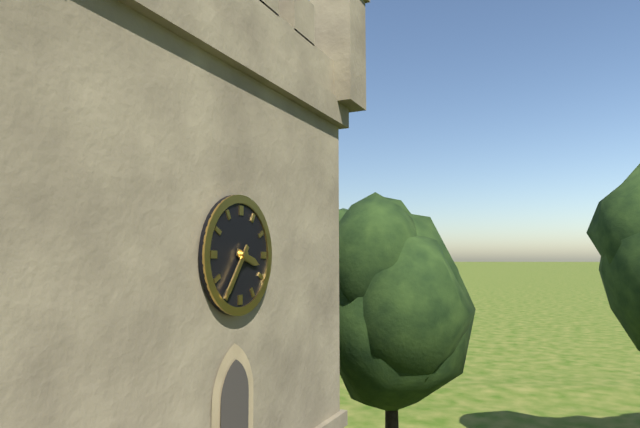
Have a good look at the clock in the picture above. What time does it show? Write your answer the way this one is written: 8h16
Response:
3h36
